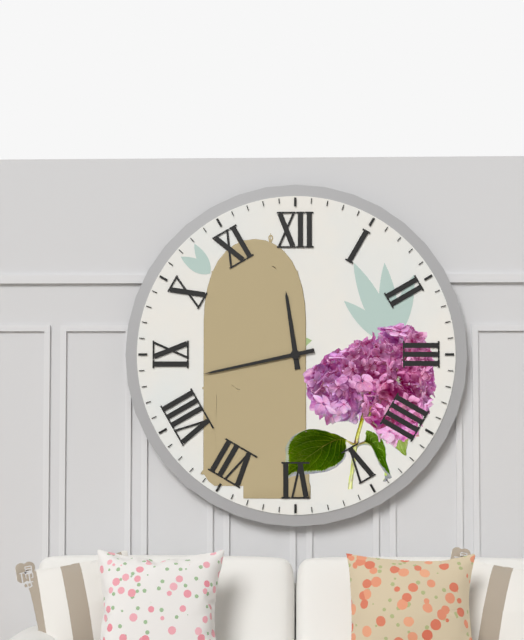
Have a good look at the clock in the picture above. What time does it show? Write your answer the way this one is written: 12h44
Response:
11h43
